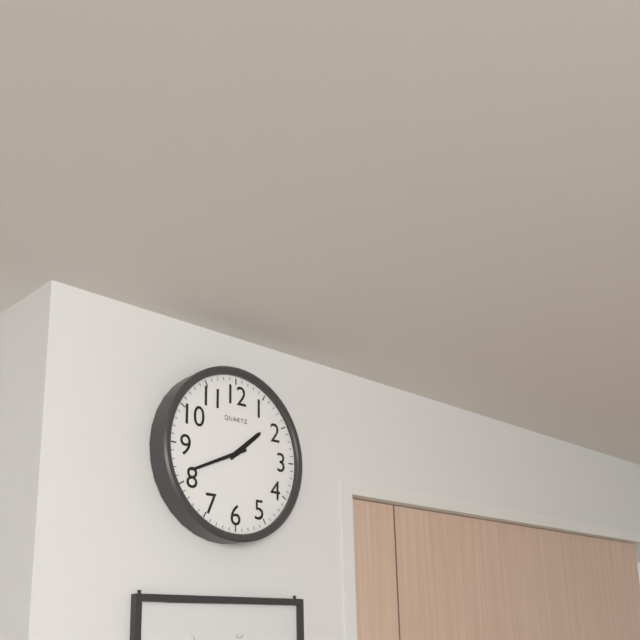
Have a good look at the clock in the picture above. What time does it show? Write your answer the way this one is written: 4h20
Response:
1h41
